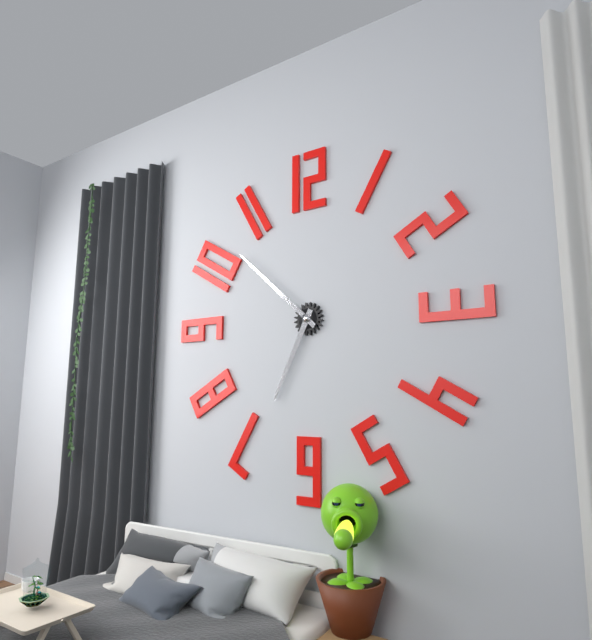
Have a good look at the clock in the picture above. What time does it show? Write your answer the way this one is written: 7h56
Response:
6h52
